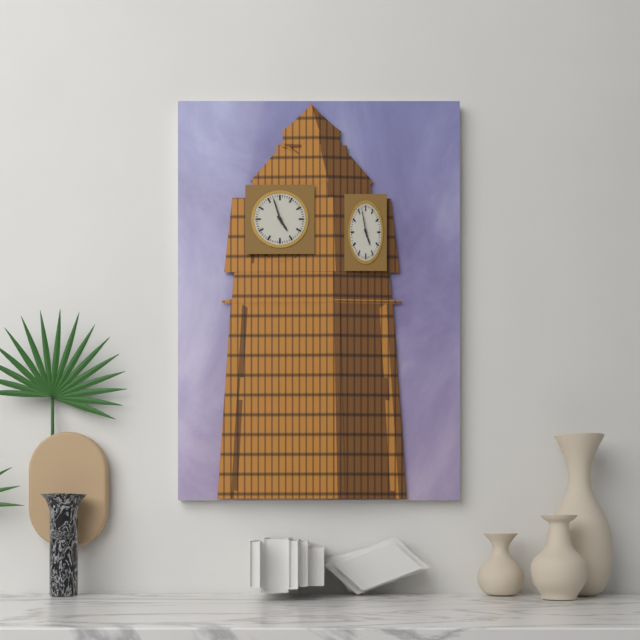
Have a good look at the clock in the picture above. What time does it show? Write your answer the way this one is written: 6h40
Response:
4h57
